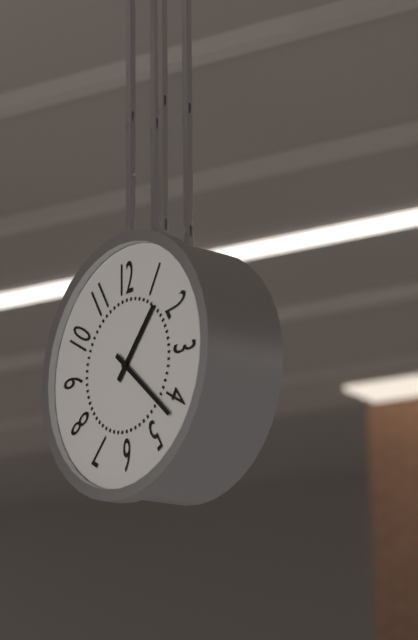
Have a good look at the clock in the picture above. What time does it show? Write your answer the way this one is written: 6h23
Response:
1h22
